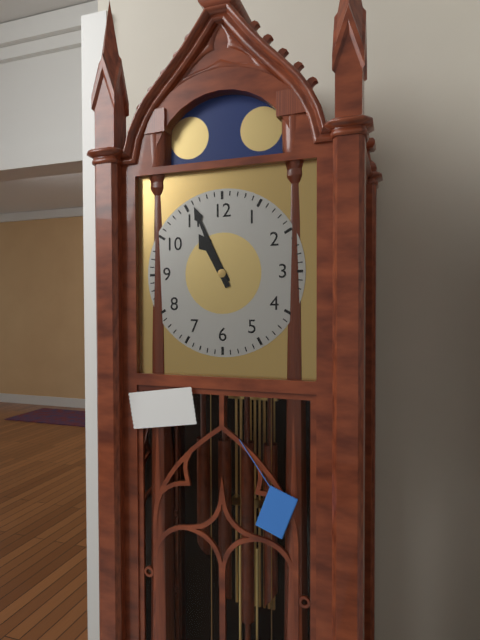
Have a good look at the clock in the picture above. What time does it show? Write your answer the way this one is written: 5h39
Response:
10h56
